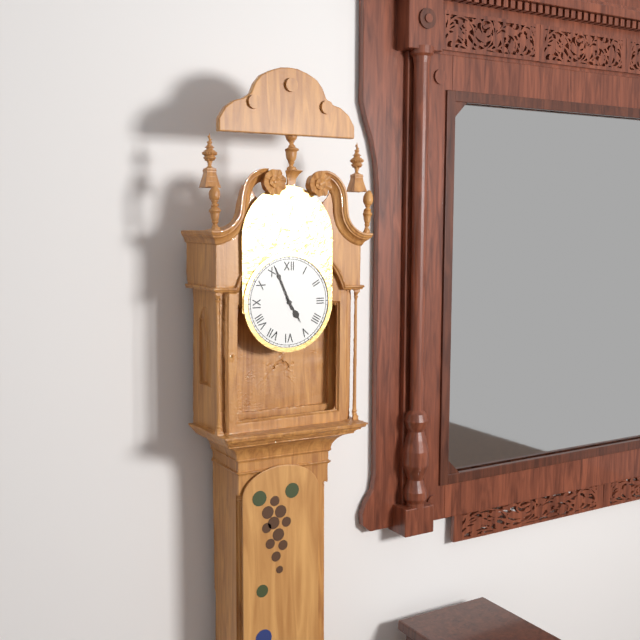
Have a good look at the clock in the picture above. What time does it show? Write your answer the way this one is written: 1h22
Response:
4h56
